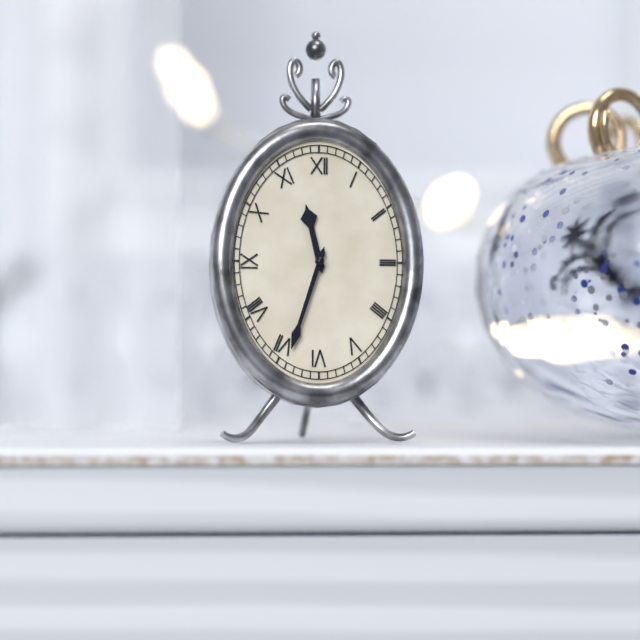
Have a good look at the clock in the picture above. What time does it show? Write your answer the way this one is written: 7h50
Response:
11h33
